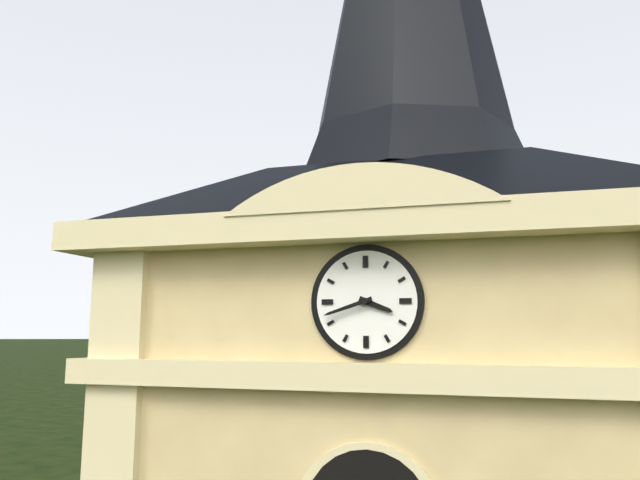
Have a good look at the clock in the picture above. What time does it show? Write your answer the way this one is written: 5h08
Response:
3h42
